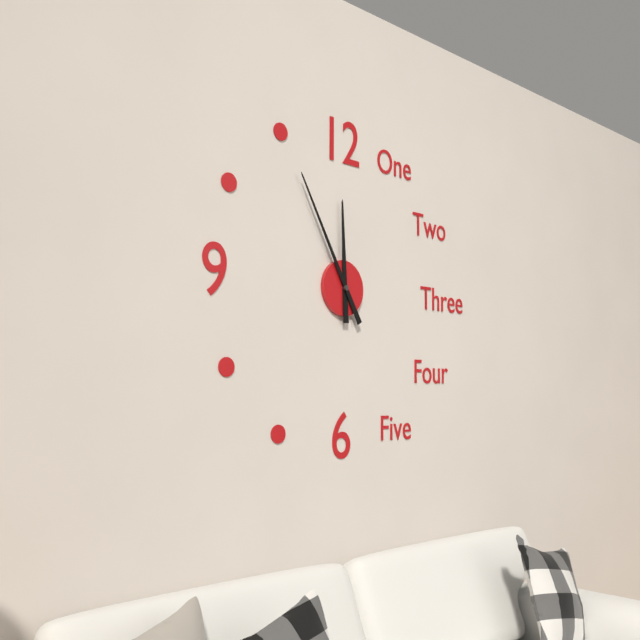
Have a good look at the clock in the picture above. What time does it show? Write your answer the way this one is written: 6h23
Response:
11h55
